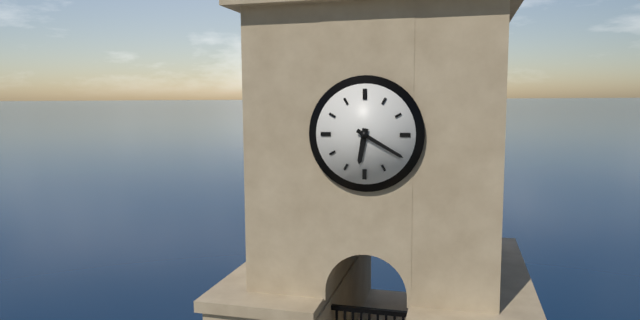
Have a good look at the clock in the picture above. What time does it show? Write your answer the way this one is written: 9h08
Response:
6h20
